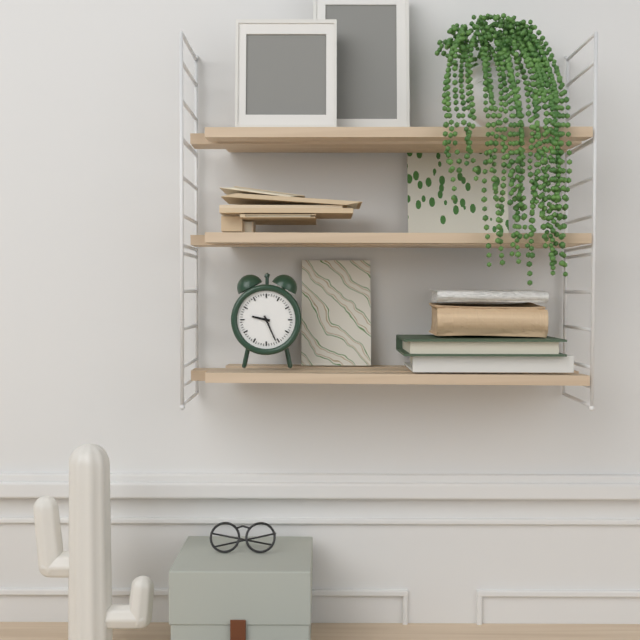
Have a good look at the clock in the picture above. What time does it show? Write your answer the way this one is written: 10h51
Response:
9h26
